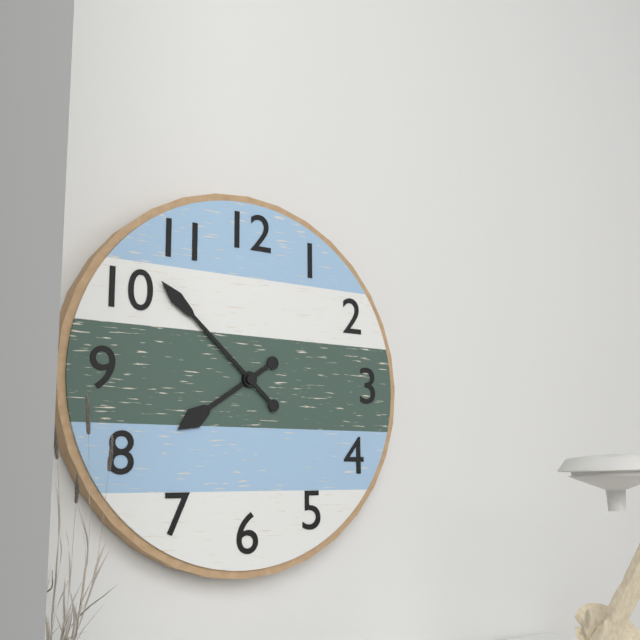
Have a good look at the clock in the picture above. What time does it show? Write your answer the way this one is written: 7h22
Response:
7h52
